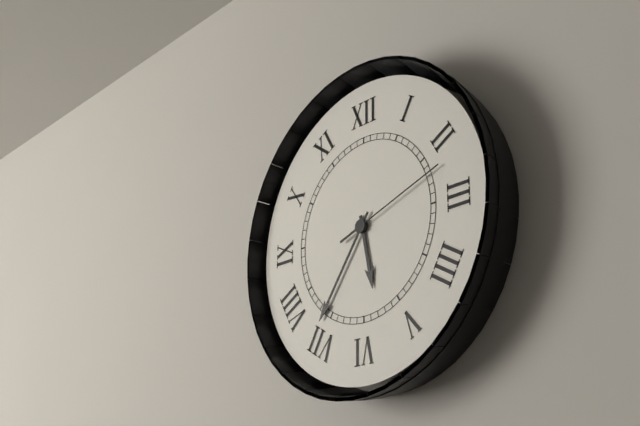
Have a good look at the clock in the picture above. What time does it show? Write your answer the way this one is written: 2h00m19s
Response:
5h36m12s
